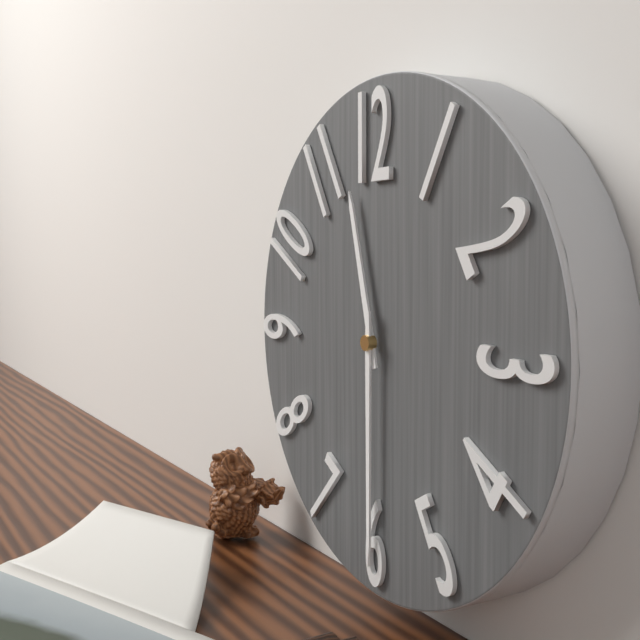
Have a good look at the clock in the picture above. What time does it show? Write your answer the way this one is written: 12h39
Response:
11h30
